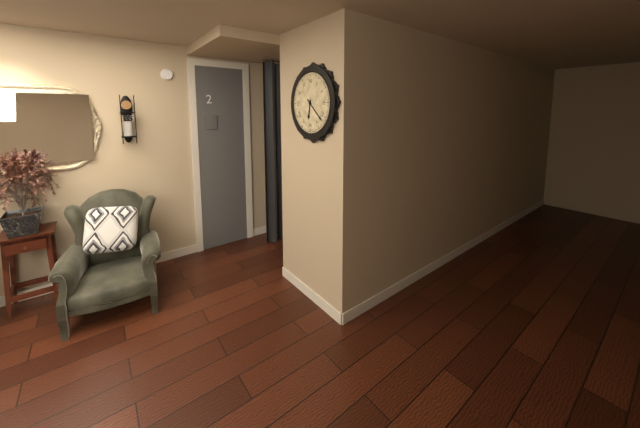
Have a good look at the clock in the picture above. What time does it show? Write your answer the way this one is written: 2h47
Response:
6h22
